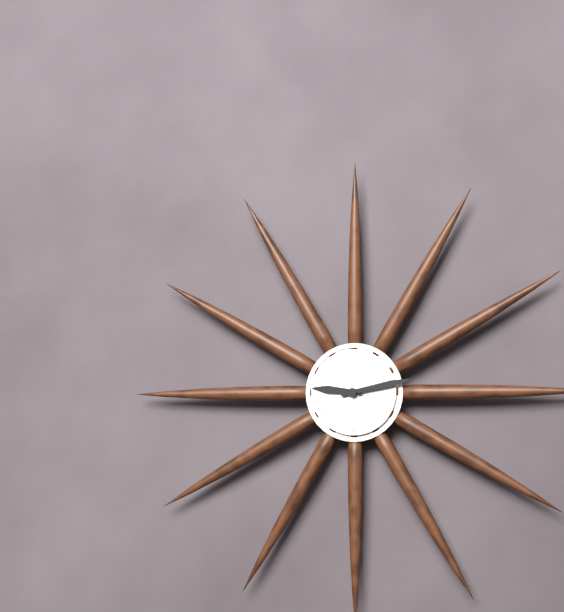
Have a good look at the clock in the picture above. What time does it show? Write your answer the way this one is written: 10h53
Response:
9h13
